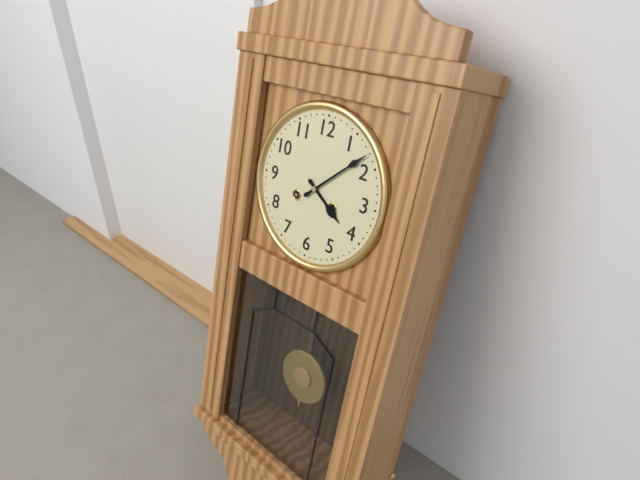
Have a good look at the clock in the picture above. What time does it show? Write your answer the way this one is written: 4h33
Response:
4h08
